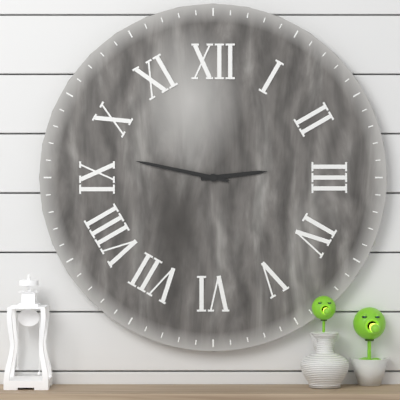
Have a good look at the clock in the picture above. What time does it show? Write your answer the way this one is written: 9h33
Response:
2h47
